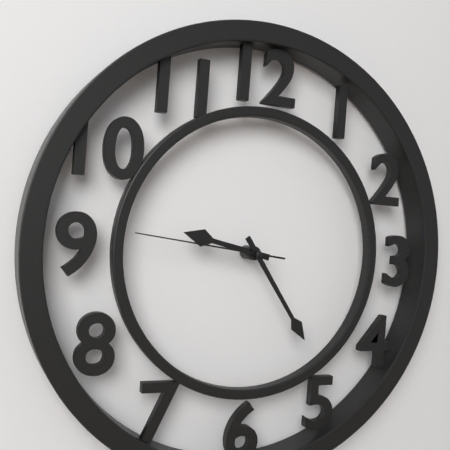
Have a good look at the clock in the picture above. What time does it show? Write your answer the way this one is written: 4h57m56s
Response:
9h24m46s
